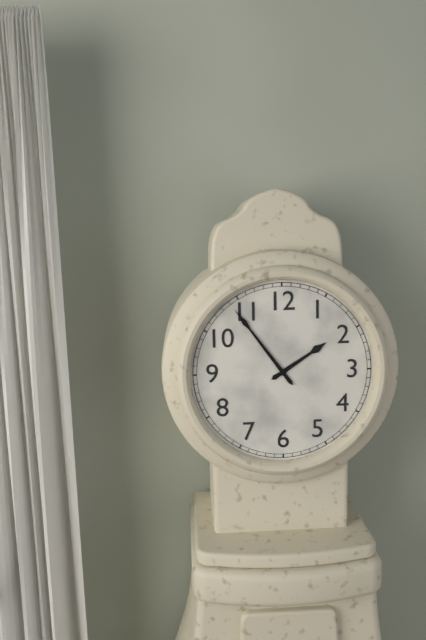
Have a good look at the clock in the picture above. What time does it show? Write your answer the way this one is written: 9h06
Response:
1h54
